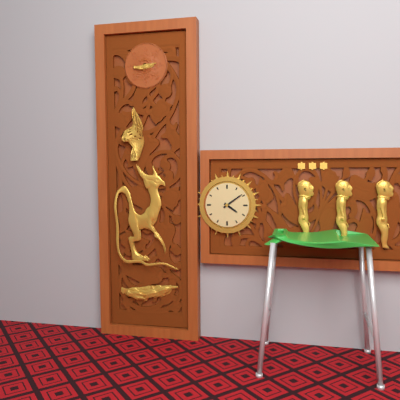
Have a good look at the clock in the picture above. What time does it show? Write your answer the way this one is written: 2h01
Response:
4h09
